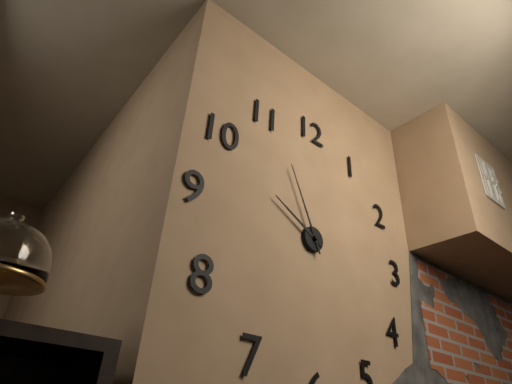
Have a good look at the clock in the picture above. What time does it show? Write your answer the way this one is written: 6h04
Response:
9h56
